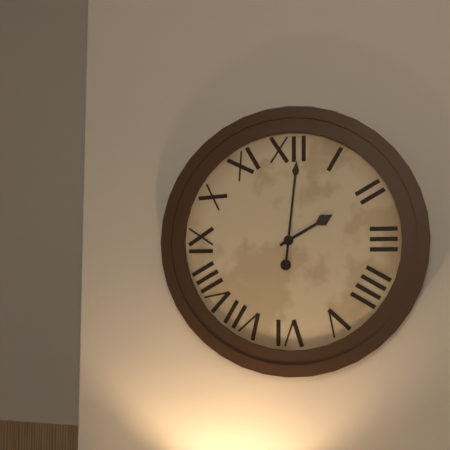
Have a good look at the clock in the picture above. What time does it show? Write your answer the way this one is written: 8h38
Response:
2h01
